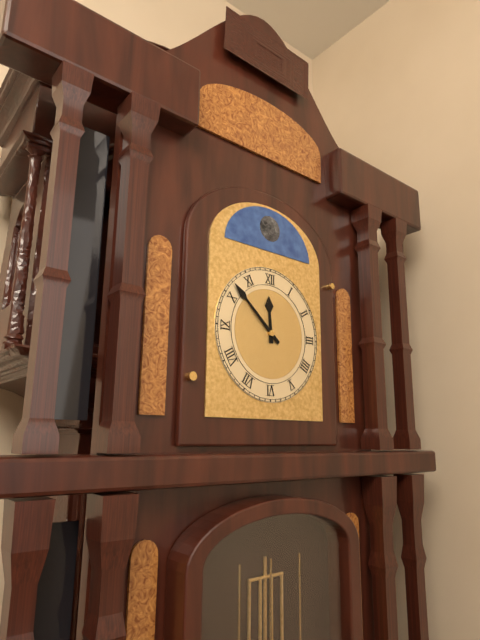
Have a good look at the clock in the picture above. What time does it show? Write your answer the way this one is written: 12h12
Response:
11h52
